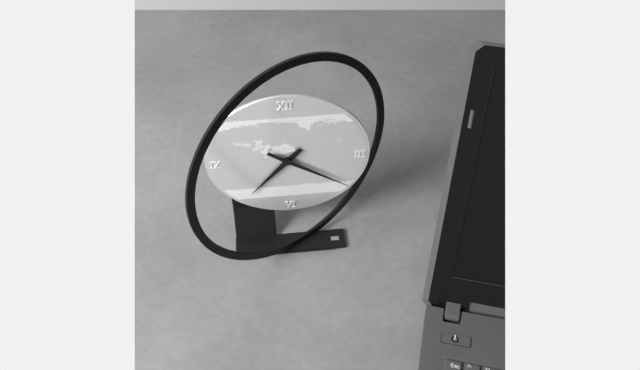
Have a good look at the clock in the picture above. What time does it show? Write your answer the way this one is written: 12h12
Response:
7h21
